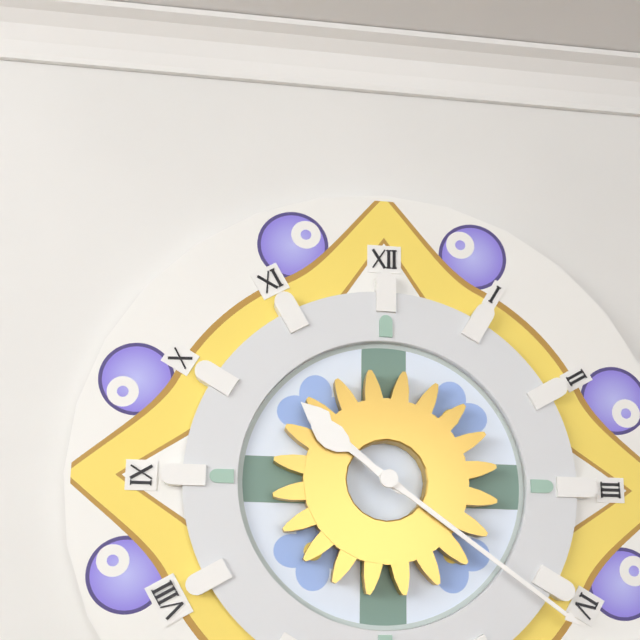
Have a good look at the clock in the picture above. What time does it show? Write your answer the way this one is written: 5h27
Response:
10h21
